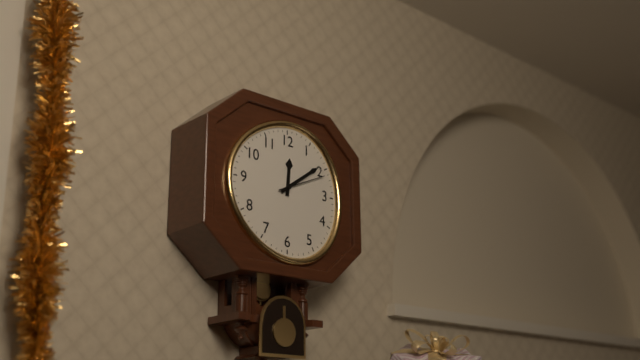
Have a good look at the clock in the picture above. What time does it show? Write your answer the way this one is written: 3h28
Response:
12h09
